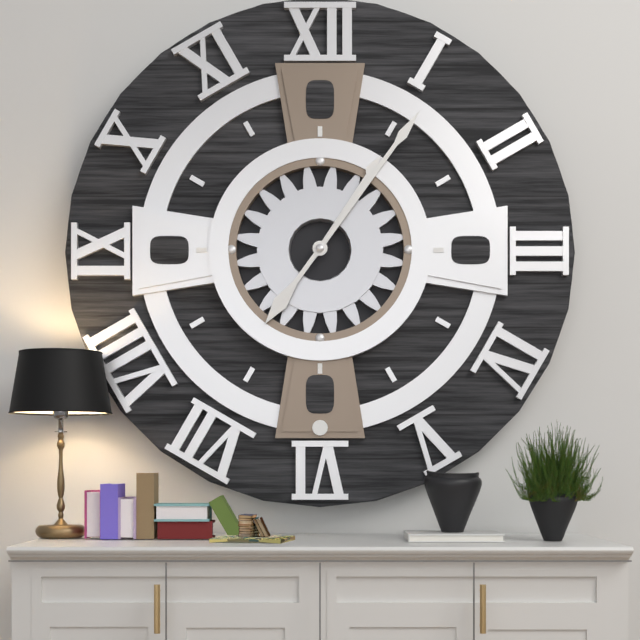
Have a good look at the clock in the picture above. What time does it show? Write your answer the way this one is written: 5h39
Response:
1h06
